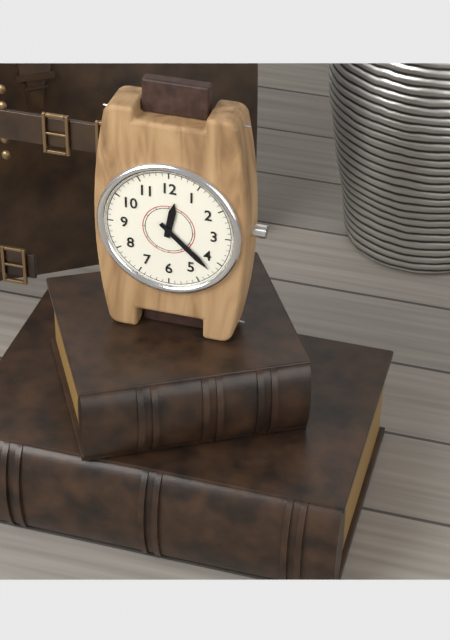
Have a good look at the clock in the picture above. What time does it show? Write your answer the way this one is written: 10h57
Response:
12h22
